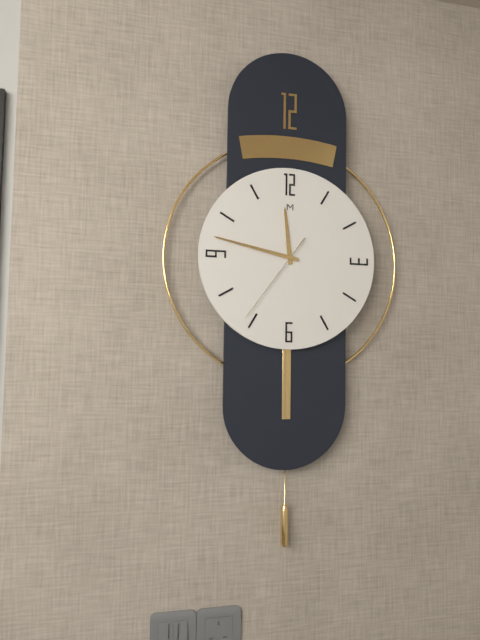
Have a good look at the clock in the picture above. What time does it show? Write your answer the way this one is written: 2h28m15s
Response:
11h47m36s
